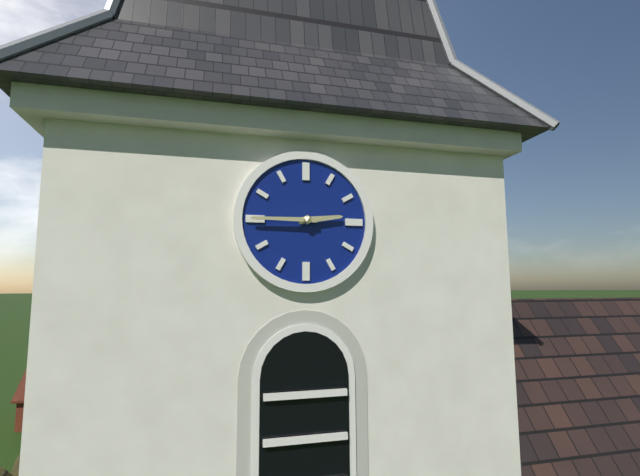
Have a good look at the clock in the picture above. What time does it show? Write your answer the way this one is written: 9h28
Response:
2h45
